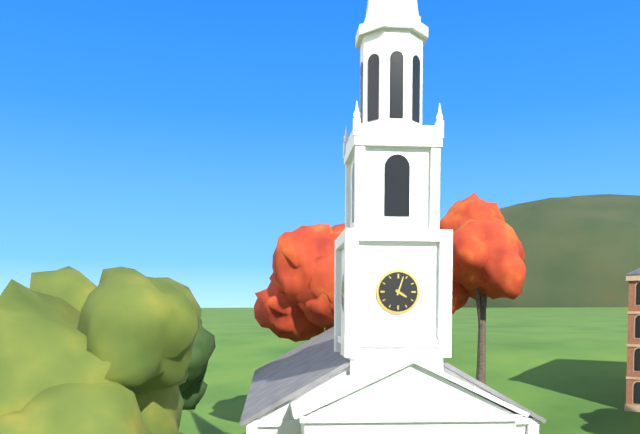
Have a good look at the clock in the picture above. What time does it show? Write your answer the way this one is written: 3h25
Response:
4h03
